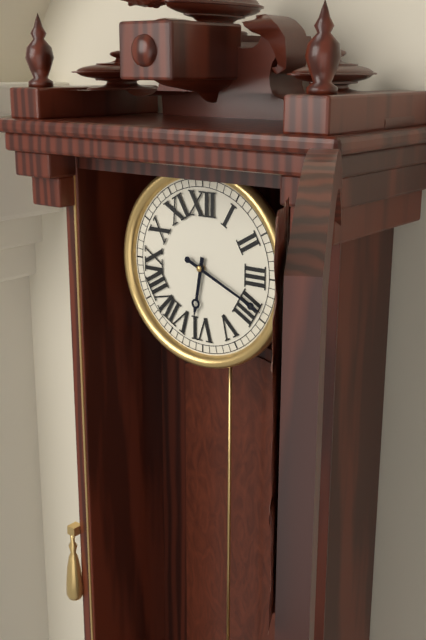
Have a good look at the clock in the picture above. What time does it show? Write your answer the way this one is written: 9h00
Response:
6h19
